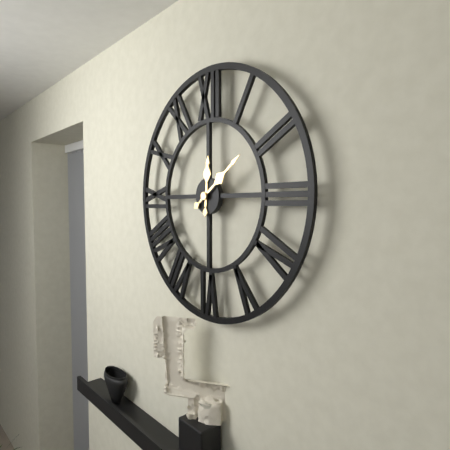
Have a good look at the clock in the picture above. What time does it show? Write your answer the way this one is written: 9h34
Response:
12h09
